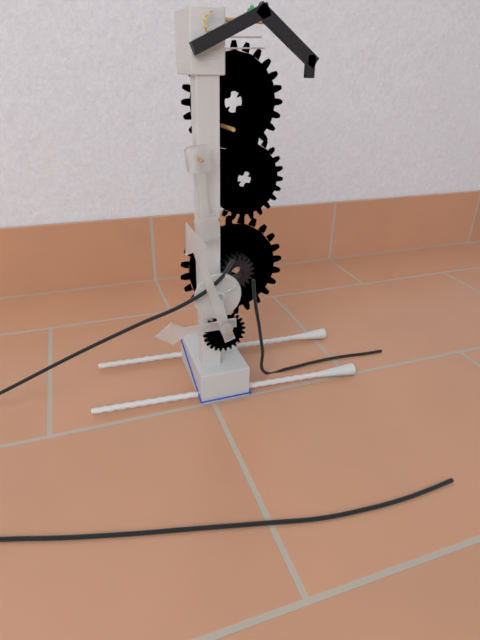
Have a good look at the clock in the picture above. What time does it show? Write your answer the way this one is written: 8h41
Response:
8h57
